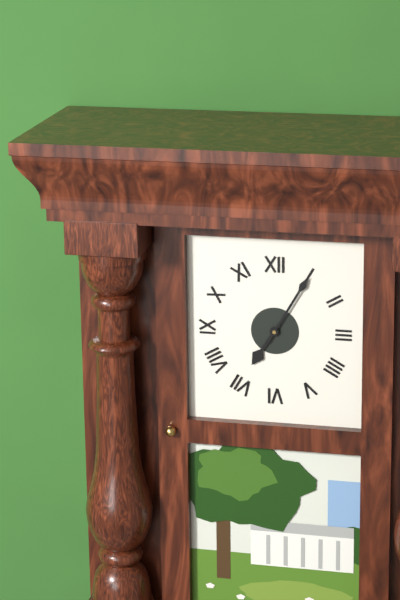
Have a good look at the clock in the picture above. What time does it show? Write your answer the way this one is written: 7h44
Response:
7h05
